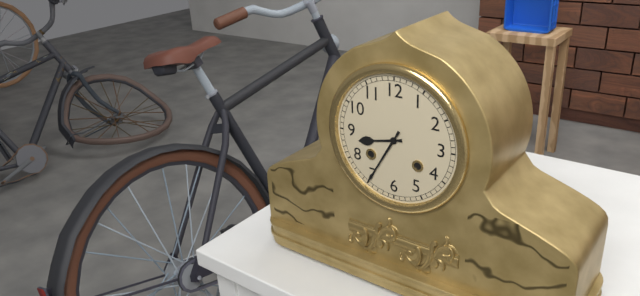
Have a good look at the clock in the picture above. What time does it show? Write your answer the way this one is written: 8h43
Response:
8h35
